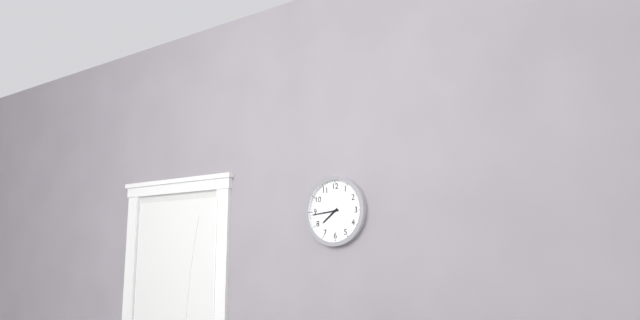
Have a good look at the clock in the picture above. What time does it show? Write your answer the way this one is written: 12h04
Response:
7h44
